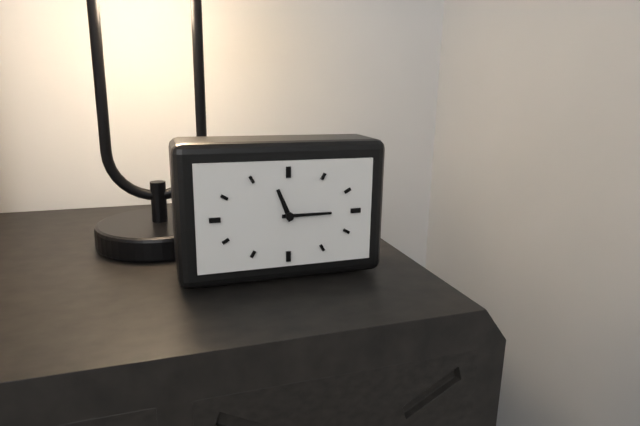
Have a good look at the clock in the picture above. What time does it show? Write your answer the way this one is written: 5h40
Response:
11h15
